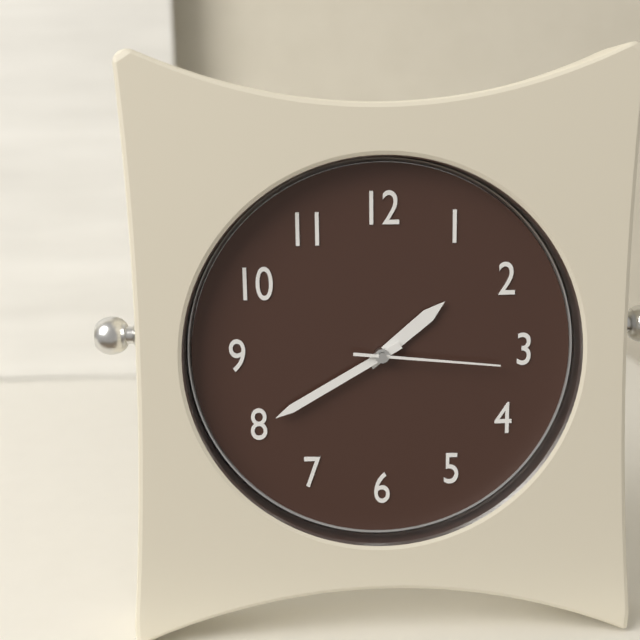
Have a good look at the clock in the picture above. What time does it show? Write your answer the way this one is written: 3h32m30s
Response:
1h40m16s
